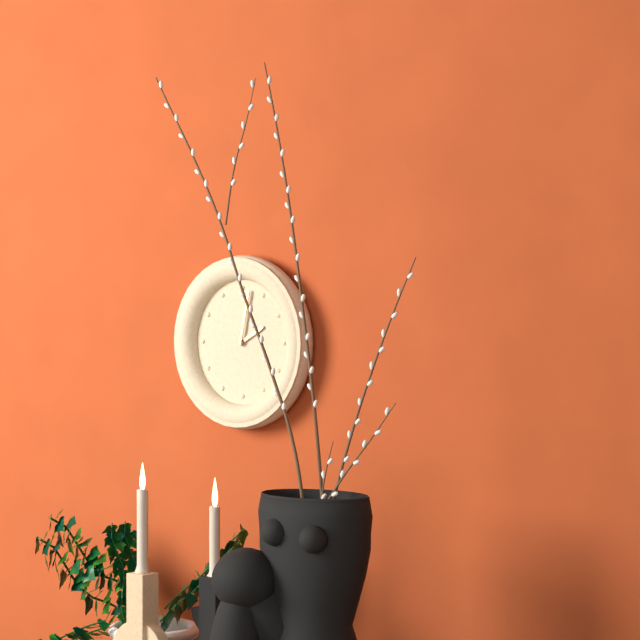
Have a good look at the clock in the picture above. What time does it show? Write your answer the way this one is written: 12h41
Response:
2h02
